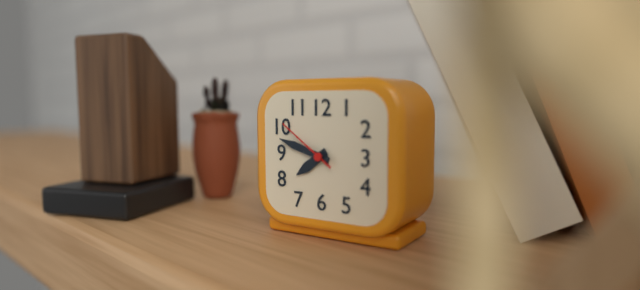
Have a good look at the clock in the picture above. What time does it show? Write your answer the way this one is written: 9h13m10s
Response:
7h48m51s
